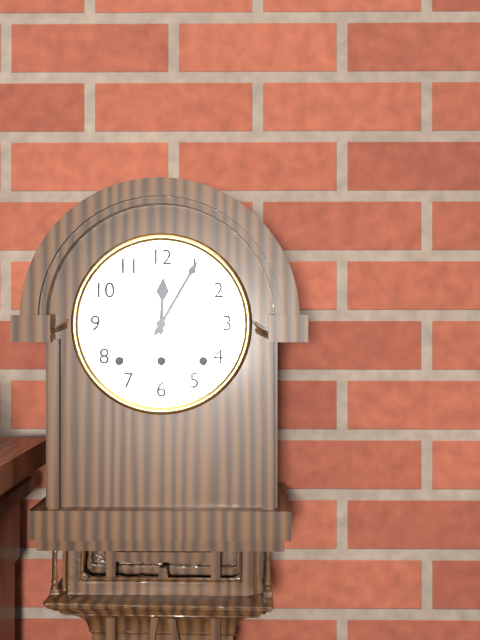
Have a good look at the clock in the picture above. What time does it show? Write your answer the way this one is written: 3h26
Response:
12h05
